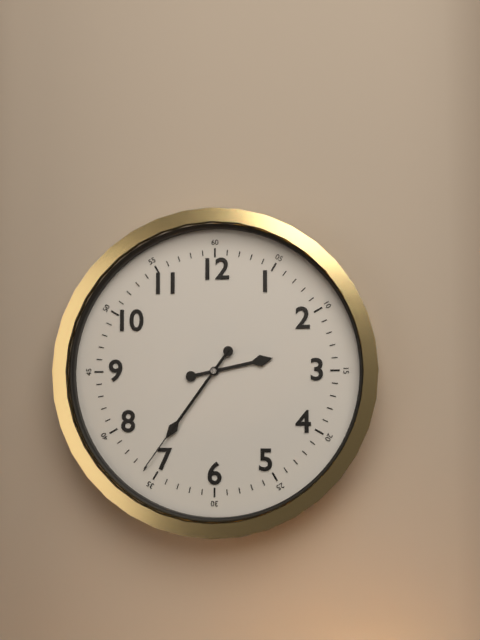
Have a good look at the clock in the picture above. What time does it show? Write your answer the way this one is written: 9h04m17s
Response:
2h36m36s
